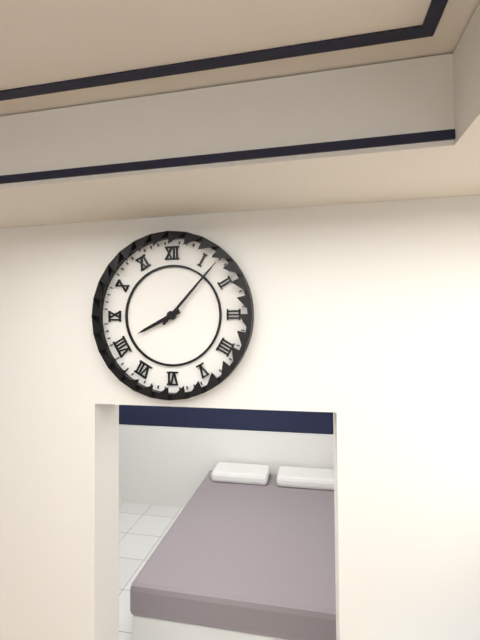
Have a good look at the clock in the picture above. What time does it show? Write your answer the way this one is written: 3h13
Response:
8h07
